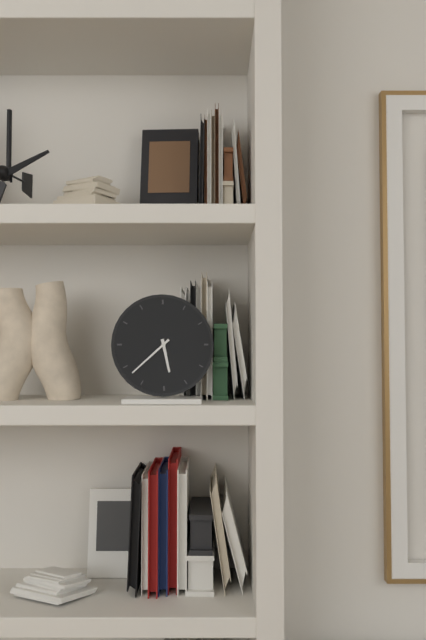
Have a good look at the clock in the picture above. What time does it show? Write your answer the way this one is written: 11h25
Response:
5h38
